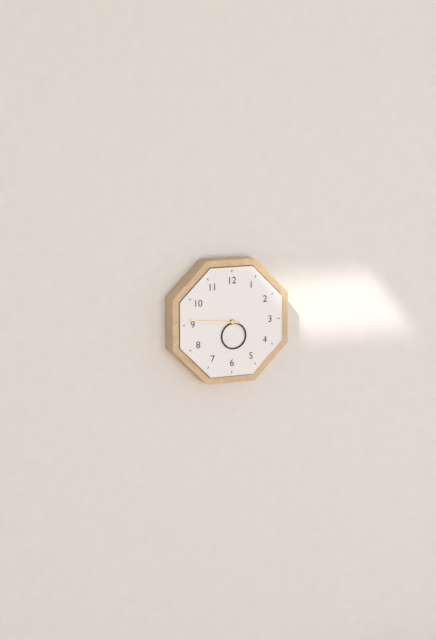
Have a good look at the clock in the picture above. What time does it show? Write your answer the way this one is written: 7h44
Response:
5h46
